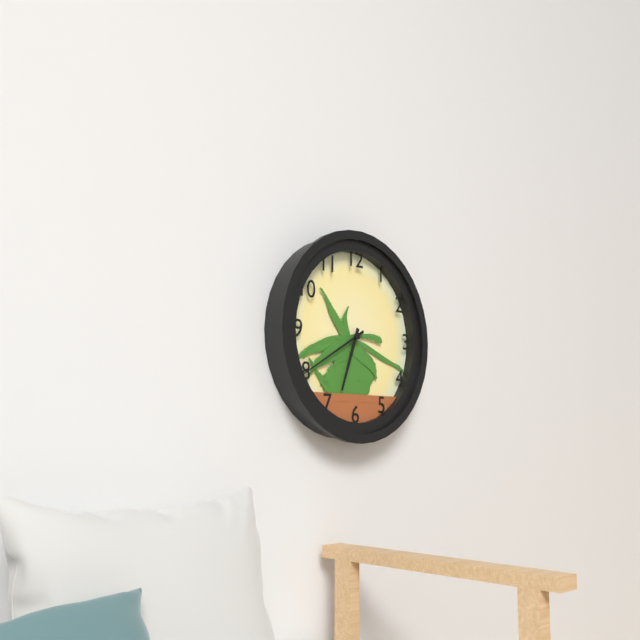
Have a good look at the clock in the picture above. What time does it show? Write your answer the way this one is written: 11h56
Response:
6h40
